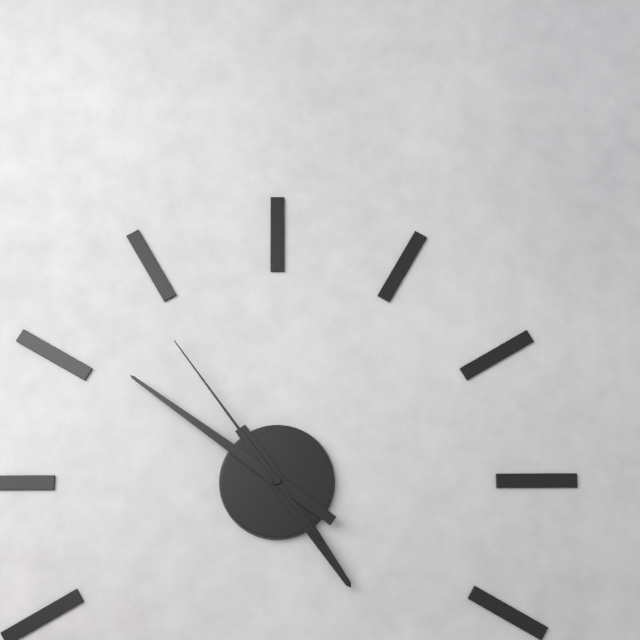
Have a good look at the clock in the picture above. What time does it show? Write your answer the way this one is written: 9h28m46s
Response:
4h51m54s
